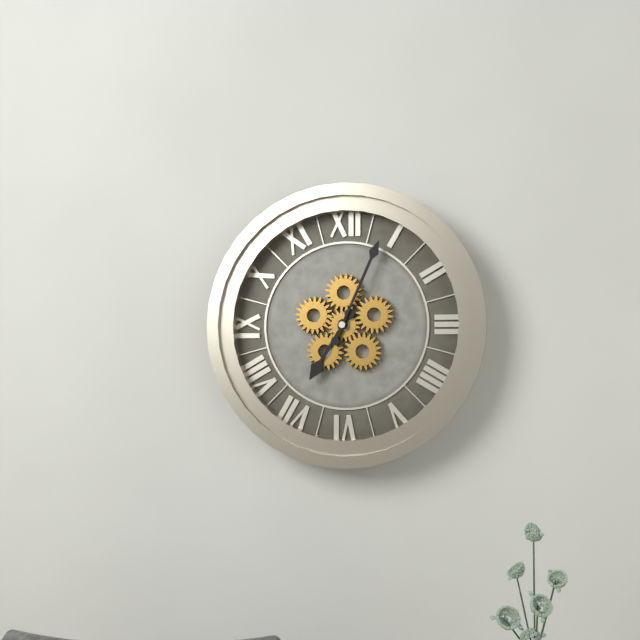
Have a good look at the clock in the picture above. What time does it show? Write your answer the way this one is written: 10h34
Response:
7h04
